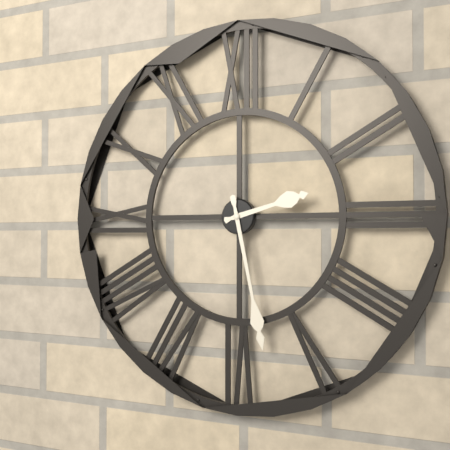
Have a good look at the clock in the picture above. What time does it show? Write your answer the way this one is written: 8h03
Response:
2h28
